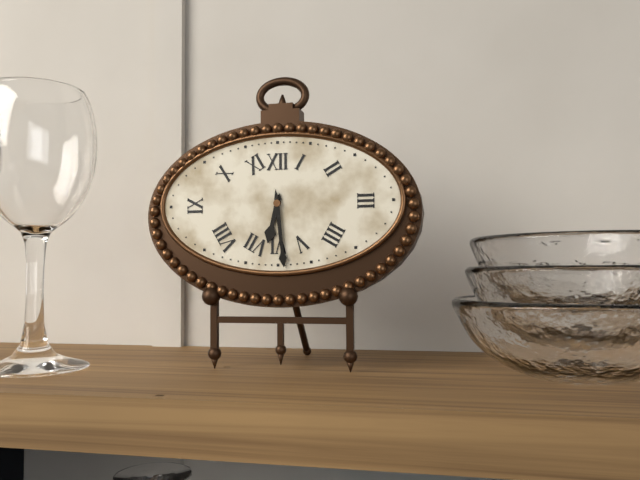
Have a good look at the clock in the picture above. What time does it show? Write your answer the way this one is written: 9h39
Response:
6h29
